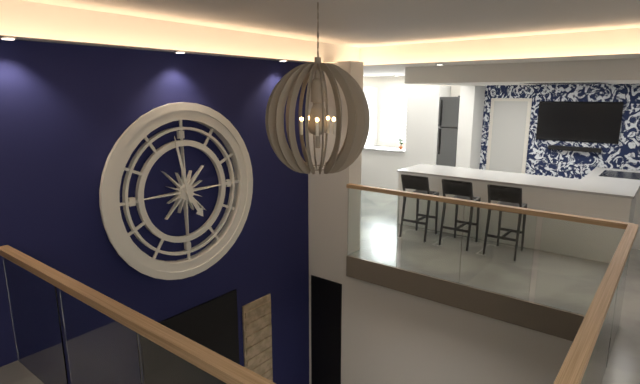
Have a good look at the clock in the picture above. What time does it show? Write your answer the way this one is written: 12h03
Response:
4h58
